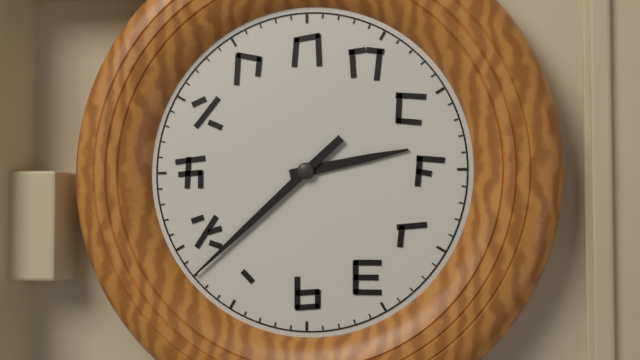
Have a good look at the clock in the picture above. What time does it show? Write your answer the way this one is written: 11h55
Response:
2h38
